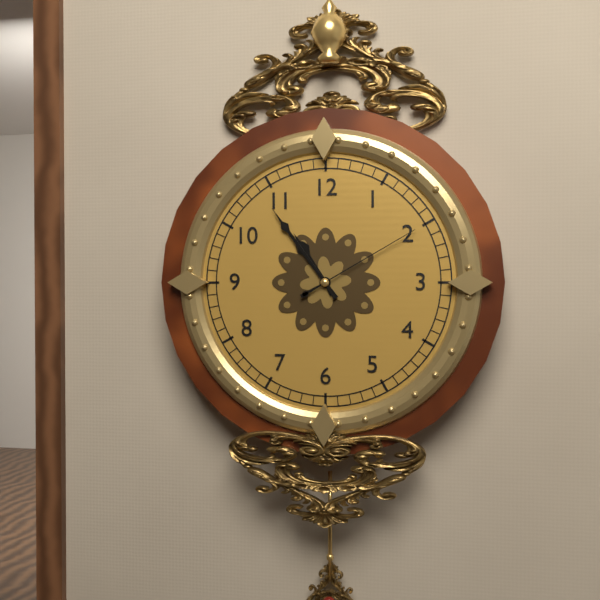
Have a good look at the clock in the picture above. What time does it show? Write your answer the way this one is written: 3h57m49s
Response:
10h54m10s
